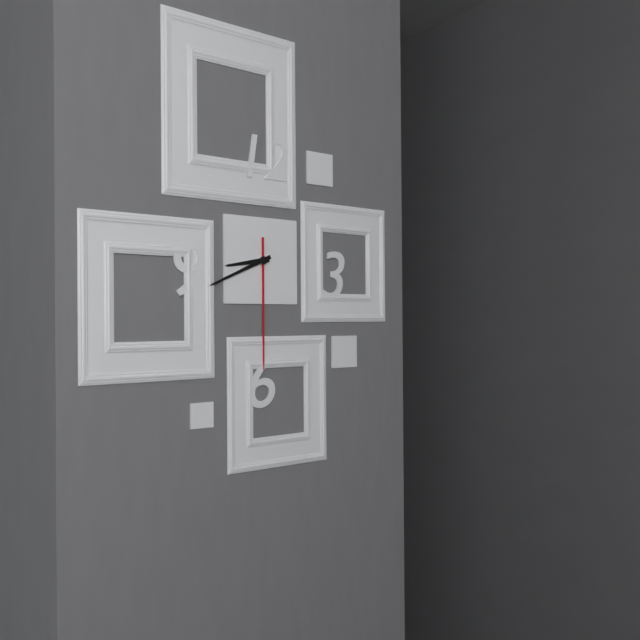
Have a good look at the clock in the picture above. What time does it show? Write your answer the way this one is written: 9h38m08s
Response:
8h41m30s
